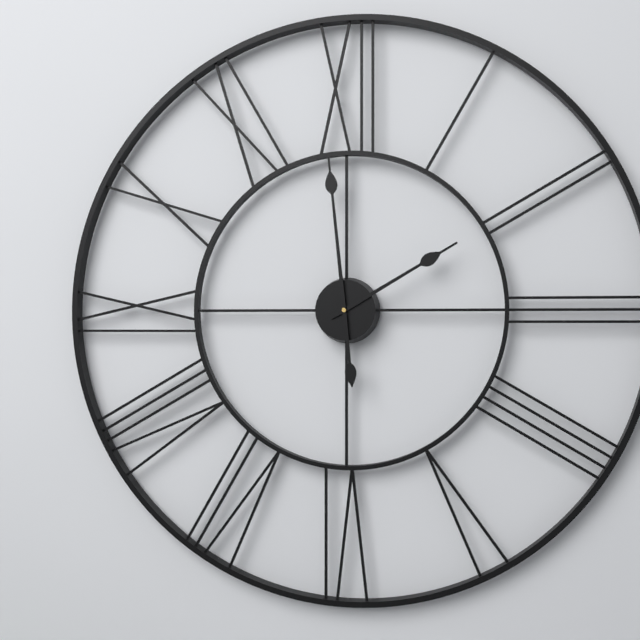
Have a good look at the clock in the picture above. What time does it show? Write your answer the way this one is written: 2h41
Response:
1h59
